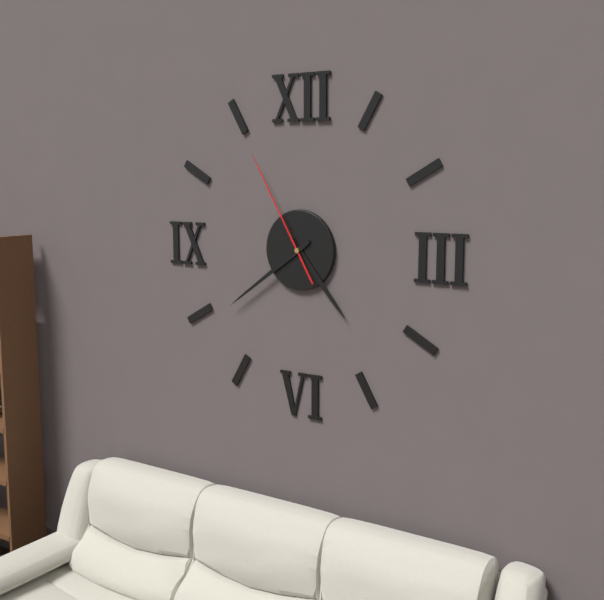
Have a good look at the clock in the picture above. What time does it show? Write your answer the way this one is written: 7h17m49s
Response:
4h39m55s
